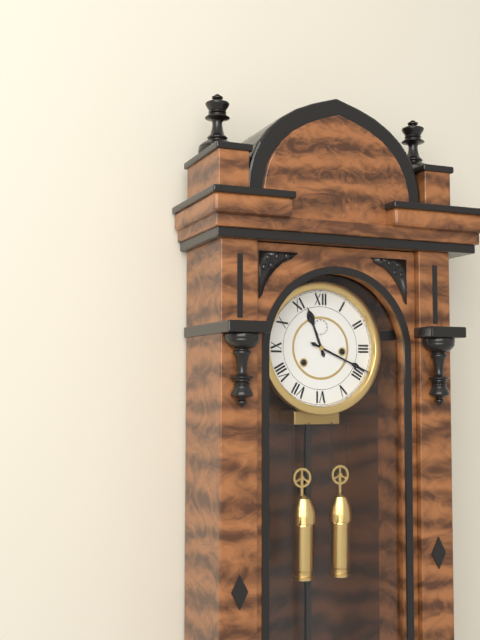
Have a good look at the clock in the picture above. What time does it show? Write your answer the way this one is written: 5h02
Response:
11h19
